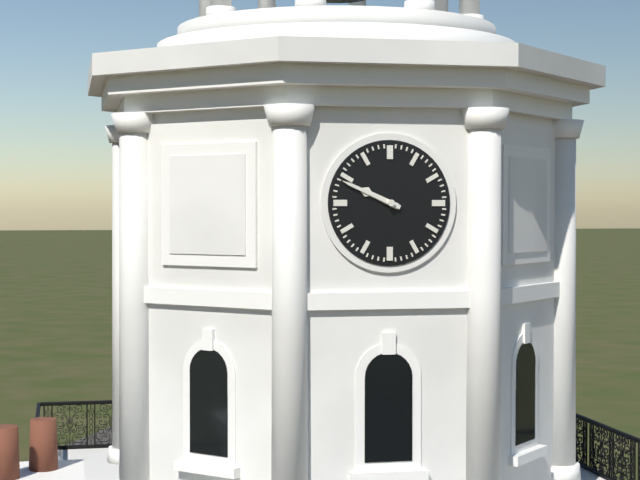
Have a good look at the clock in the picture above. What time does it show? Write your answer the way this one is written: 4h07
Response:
9h49
